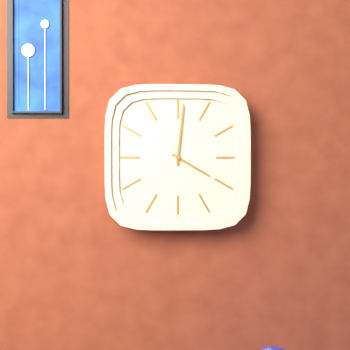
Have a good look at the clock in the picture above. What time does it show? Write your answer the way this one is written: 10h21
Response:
4h01
